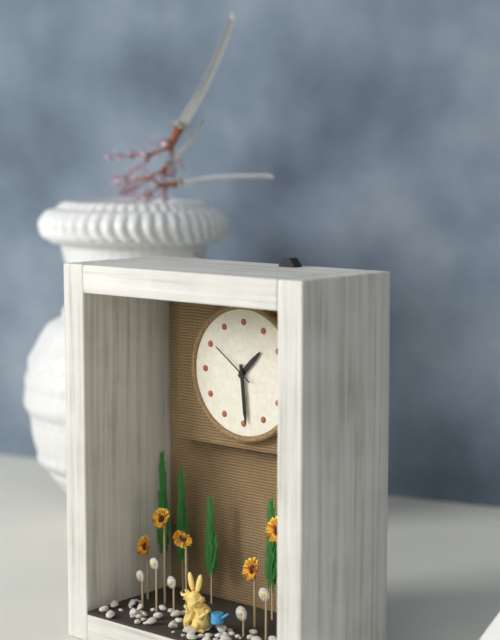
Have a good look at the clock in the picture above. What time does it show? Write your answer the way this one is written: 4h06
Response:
1h29
